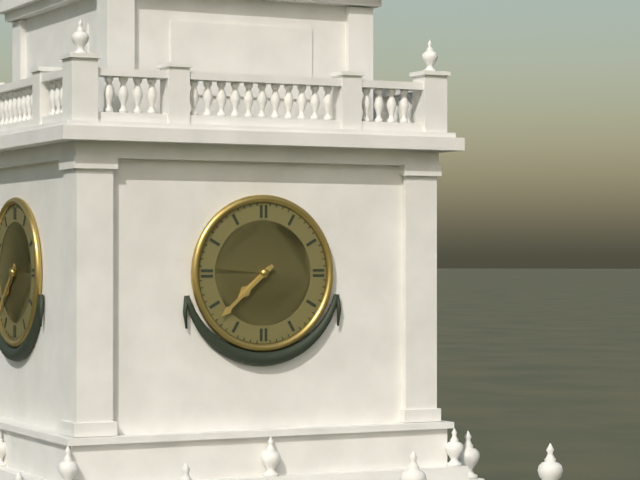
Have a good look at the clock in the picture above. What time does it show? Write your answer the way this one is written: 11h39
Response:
7h38
